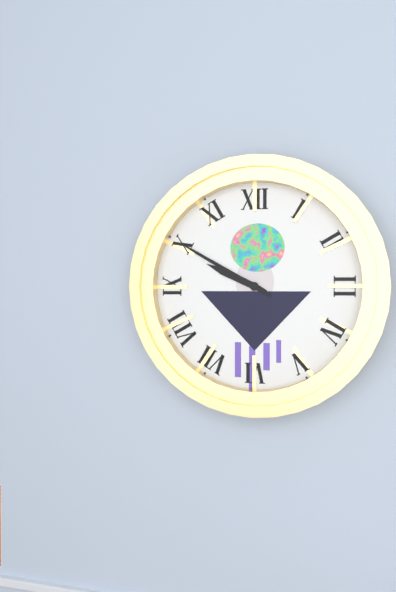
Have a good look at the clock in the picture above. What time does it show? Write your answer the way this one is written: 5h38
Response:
9h50
